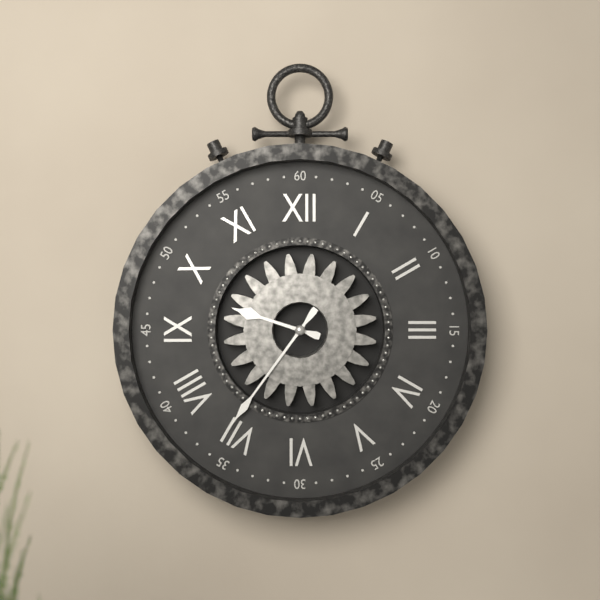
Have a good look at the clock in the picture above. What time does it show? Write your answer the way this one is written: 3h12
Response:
9h36
